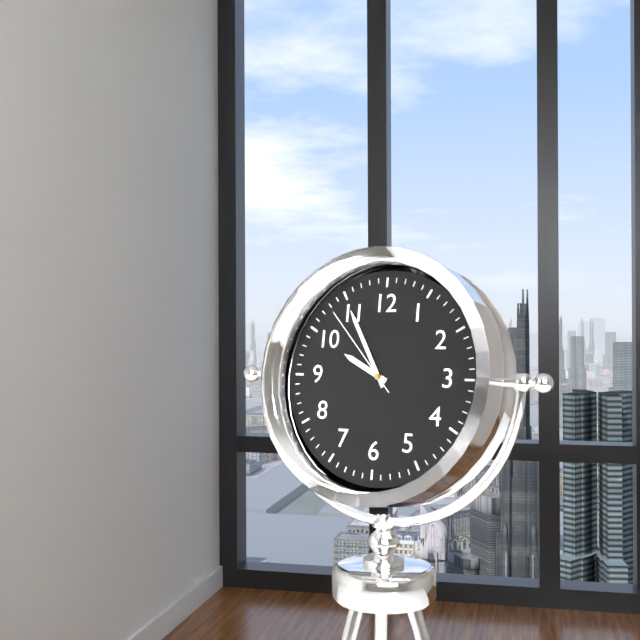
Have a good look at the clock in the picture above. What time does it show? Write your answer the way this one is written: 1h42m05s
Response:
9h55m53s
